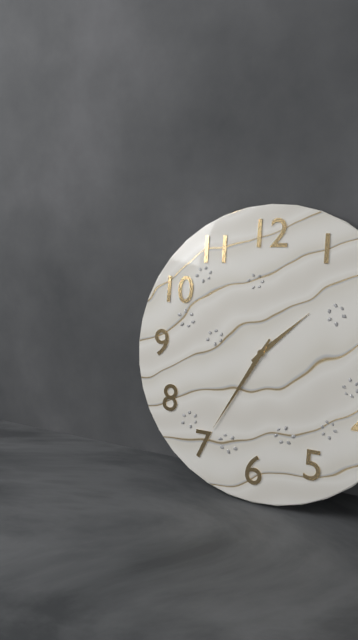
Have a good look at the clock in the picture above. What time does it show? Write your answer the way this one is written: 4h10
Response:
1h35
